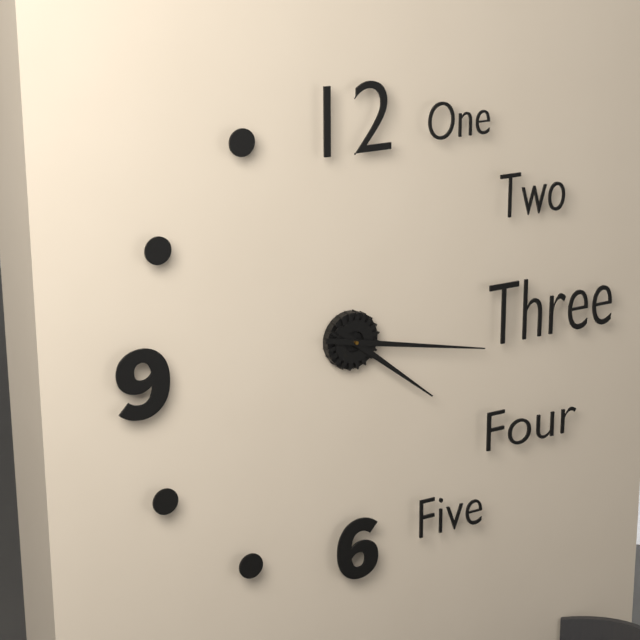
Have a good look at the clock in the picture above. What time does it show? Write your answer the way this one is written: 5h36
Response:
4h17
